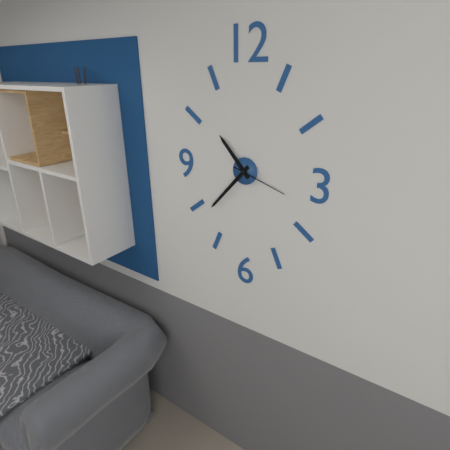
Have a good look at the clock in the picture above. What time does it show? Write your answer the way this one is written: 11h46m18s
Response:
10h37m18s
